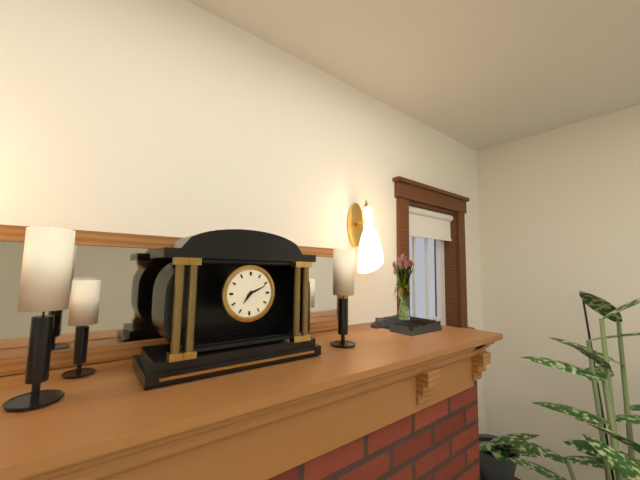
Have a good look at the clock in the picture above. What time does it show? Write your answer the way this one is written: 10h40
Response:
7h11
